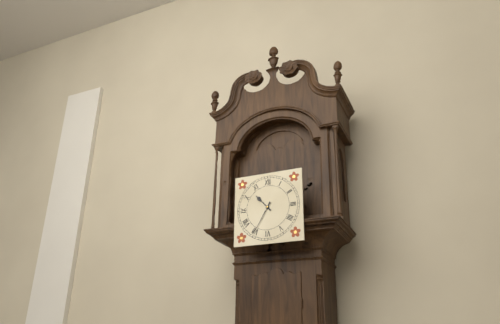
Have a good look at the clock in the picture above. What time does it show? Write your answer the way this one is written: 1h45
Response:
10h35
